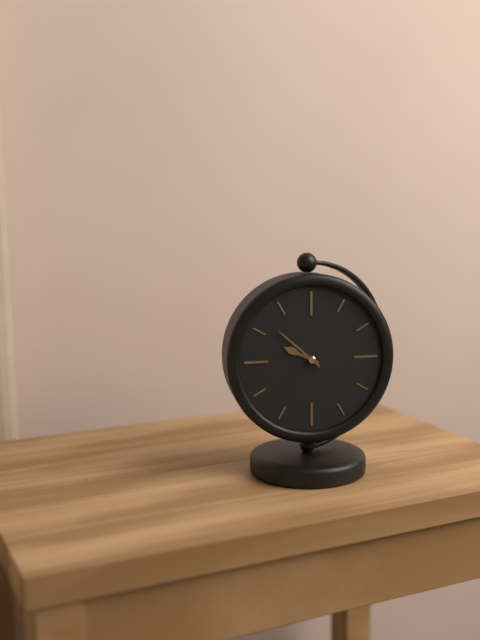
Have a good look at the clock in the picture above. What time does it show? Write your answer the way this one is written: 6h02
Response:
9h52
